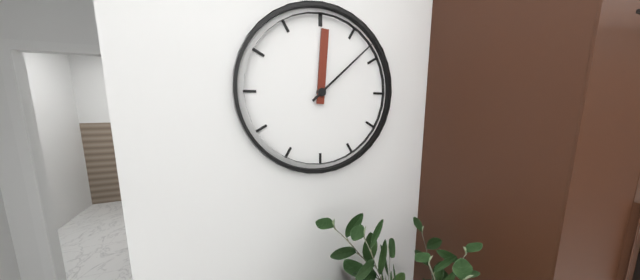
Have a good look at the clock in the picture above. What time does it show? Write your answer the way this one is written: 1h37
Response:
12h08
